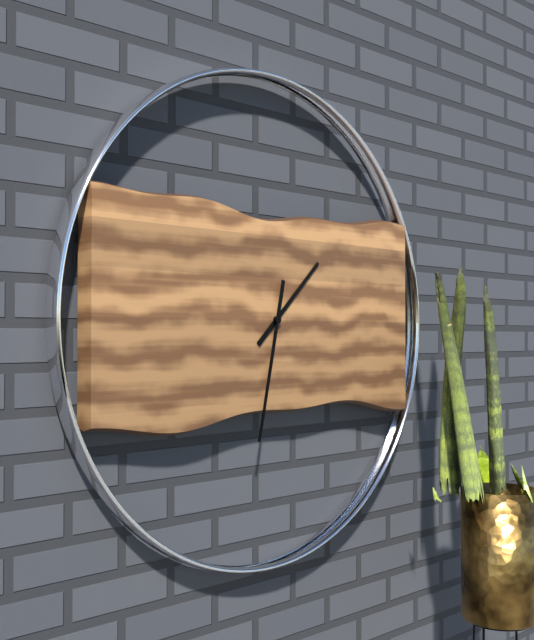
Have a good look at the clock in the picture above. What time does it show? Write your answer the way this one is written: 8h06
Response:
1h32
